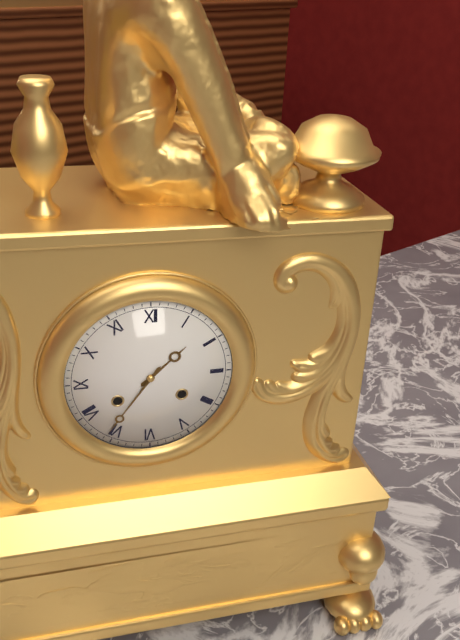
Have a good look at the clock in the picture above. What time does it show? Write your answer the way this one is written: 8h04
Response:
1h36
